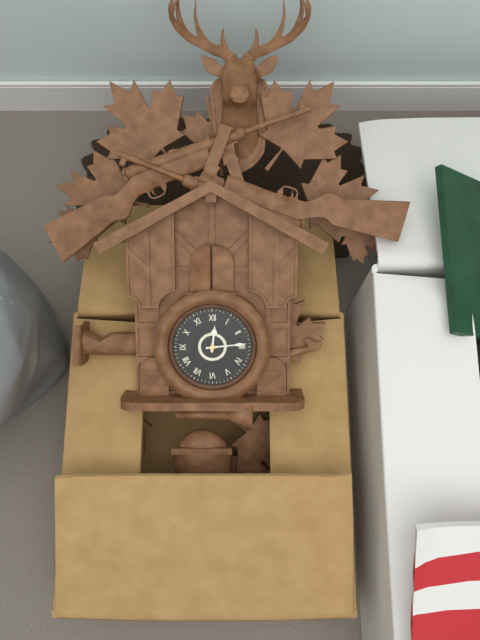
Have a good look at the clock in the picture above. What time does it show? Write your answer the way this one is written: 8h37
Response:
12h14
